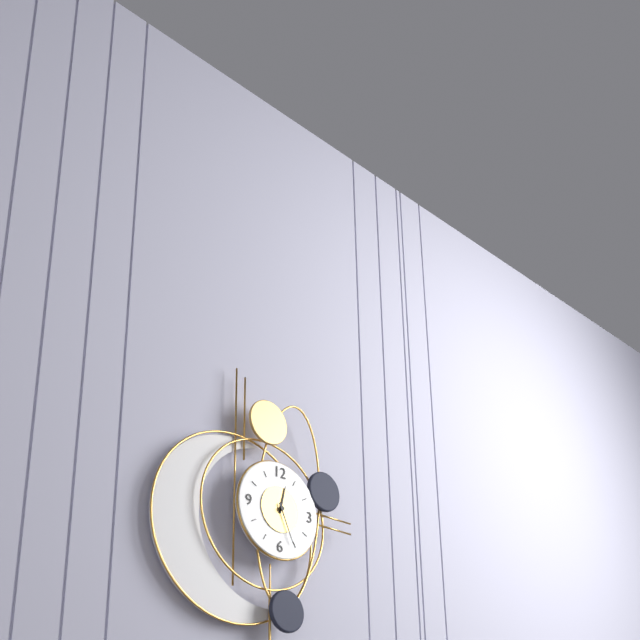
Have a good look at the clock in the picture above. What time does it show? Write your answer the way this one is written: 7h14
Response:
12h26
